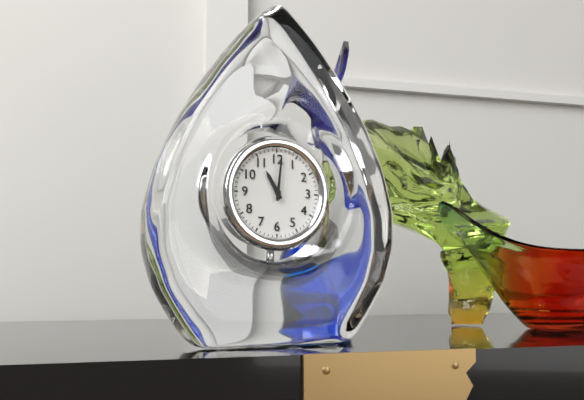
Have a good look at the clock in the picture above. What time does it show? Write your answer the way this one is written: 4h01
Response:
11h01
